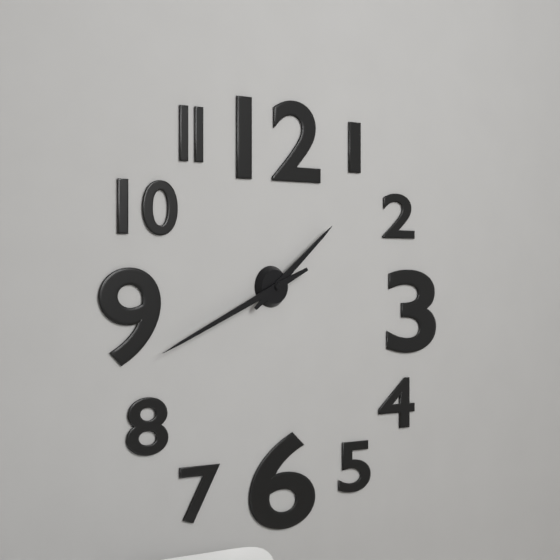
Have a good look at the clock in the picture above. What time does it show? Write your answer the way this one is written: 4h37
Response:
1h41
